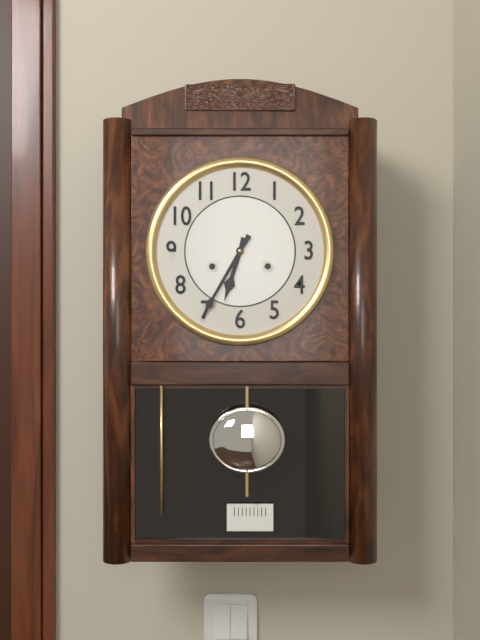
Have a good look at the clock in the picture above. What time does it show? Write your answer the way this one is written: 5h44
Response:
6h35
